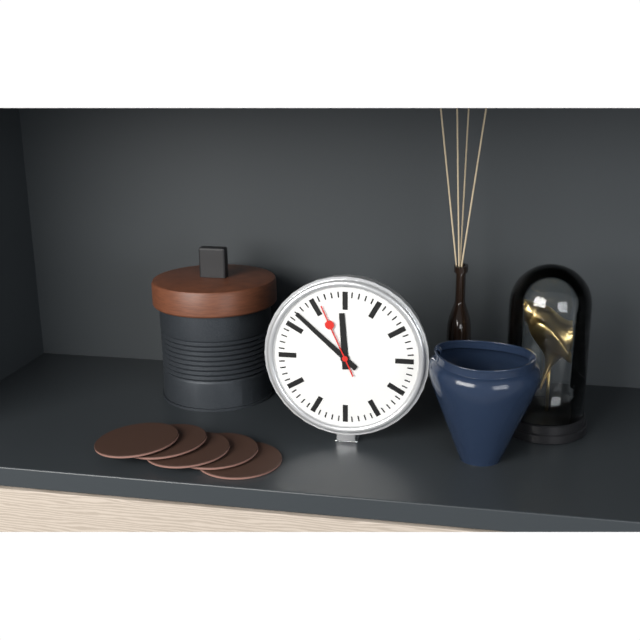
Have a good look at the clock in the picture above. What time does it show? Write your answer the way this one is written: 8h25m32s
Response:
11h52m56s
